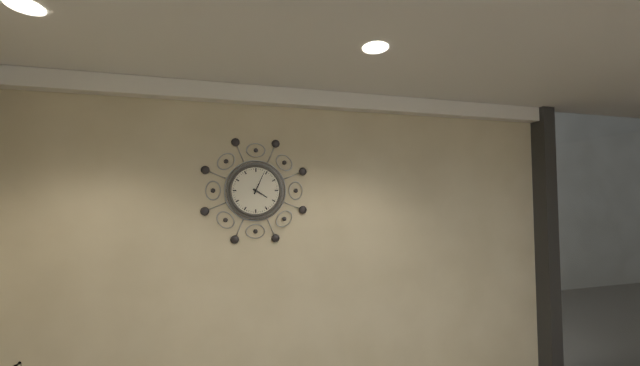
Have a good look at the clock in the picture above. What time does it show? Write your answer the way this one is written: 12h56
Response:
4h04
